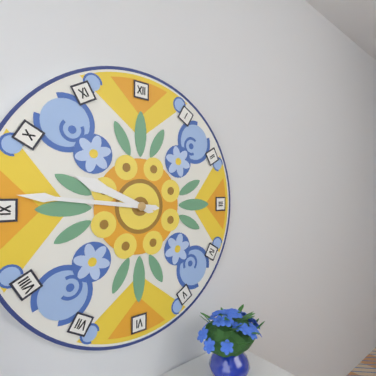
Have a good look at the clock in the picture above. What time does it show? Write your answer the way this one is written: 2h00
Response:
9h46
